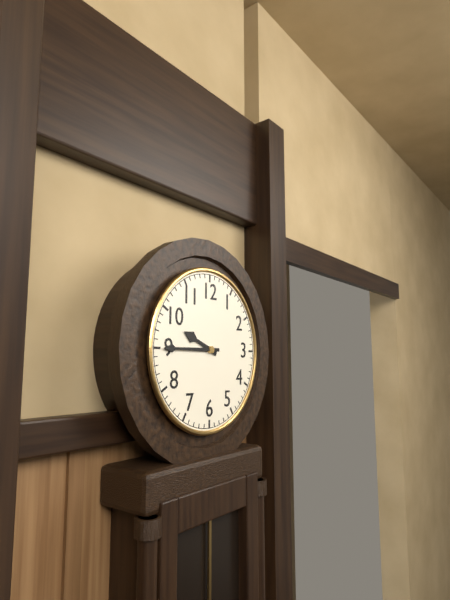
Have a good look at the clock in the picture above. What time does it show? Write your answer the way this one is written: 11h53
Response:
9h45
